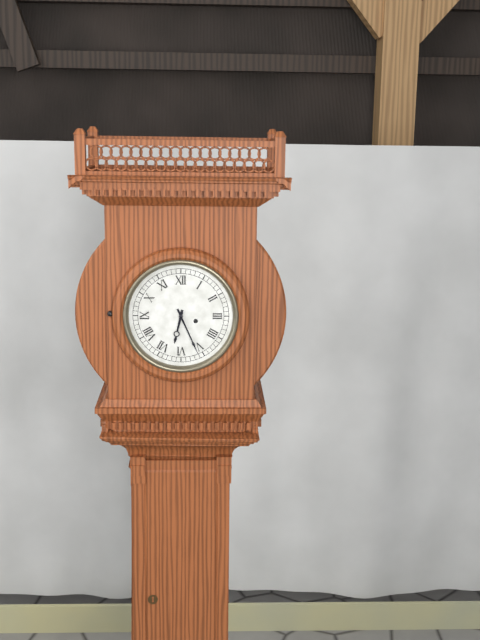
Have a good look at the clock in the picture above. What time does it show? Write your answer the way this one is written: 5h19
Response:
6h26
